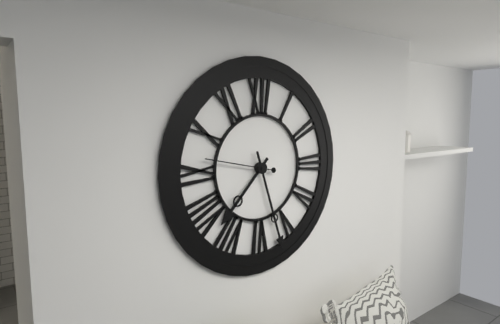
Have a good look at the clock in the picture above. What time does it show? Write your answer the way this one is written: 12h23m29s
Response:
7h27m47s
